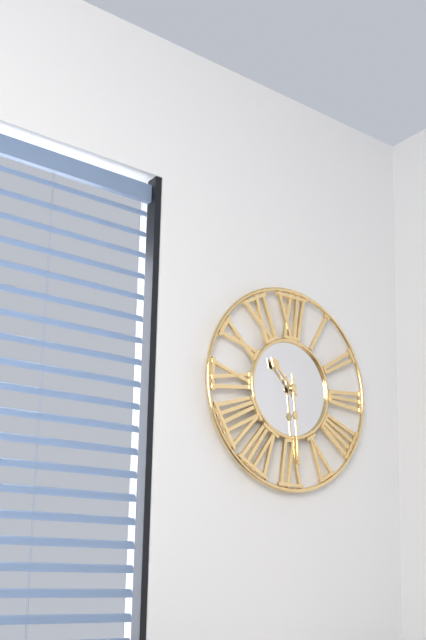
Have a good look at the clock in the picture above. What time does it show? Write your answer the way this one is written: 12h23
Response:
10h29
